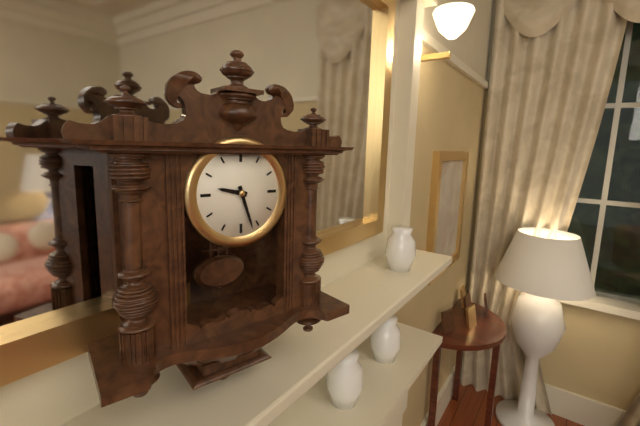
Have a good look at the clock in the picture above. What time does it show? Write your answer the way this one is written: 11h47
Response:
9h27
